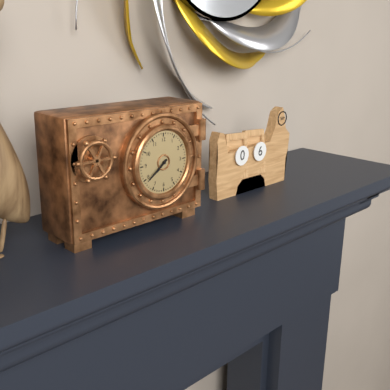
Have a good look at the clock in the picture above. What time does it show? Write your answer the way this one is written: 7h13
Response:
7h39
